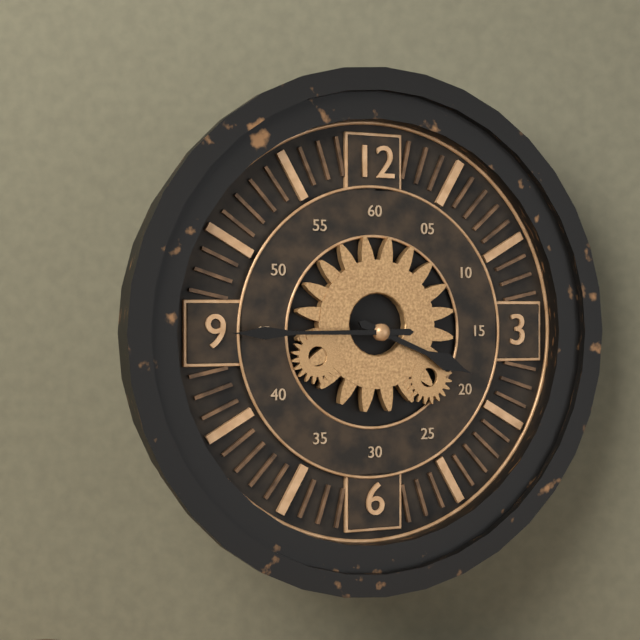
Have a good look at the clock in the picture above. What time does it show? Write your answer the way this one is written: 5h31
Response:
3h45
